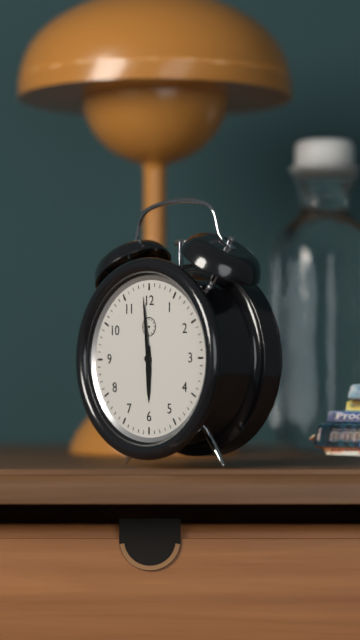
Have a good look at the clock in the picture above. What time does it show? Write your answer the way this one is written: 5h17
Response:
5h59
